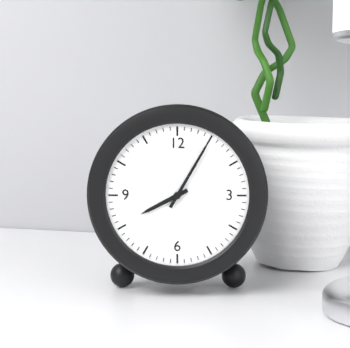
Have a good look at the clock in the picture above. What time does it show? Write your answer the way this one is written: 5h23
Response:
8h05
